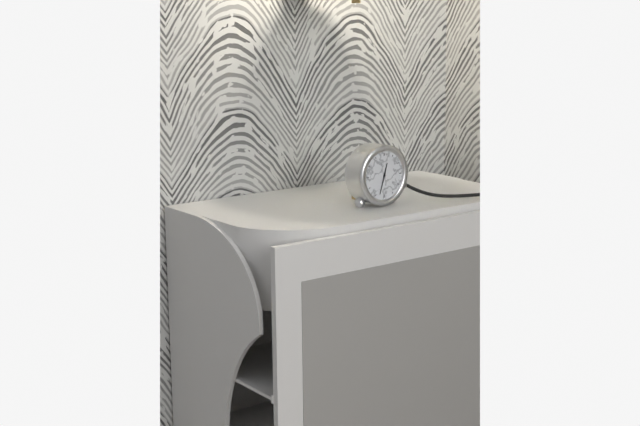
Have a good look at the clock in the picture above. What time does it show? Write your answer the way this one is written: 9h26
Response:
12h33
